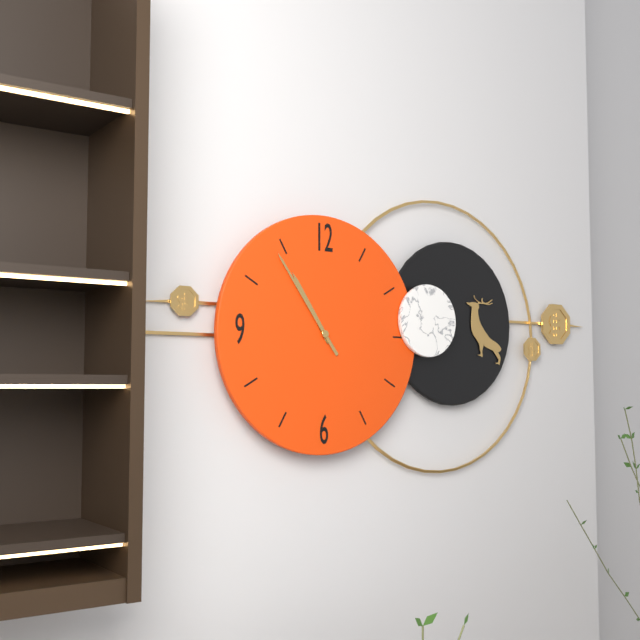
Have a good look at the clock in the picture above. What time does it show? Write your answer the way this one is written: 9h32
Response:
10h54
